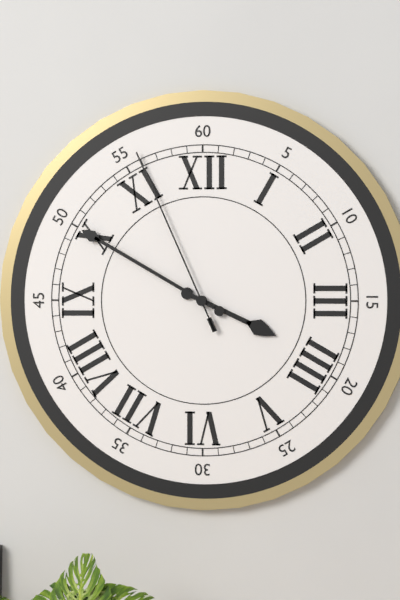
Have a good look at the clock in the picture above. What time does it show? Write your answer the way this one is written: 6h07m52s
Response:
3h50m56s
